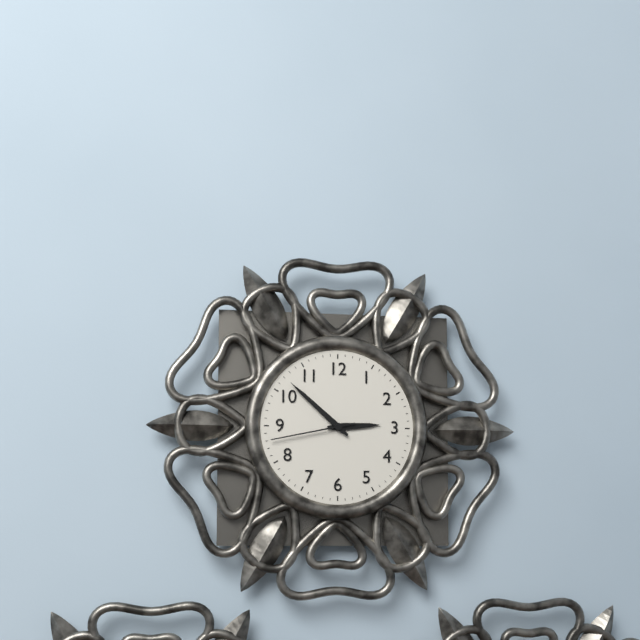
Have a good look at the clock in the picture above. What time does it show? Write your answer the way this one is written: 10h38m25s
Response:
2h52m43s
